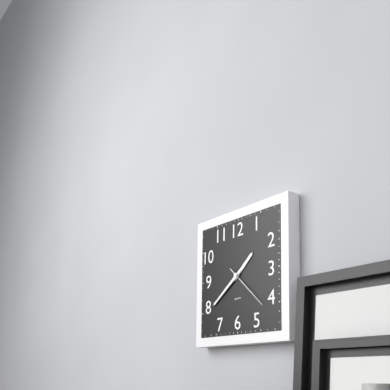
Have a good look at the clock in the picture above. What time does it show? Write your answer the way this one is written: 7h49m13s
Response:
1h39m22s
